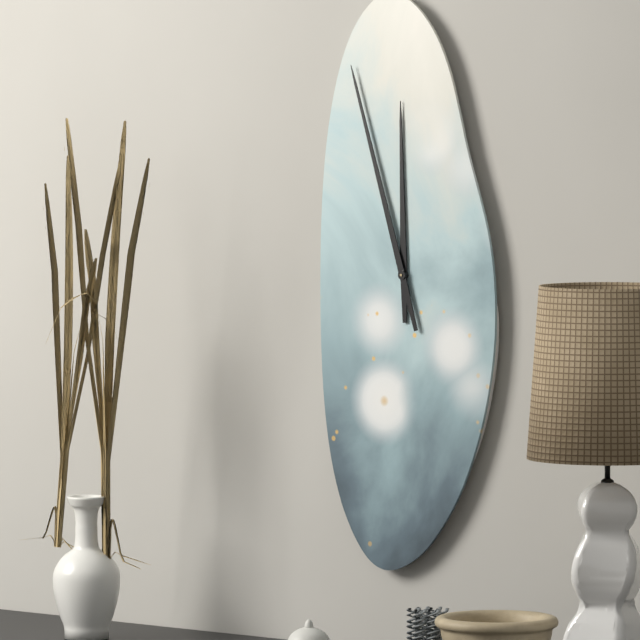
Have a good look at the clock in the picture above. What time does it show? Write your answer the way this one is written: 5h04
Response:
11h57
